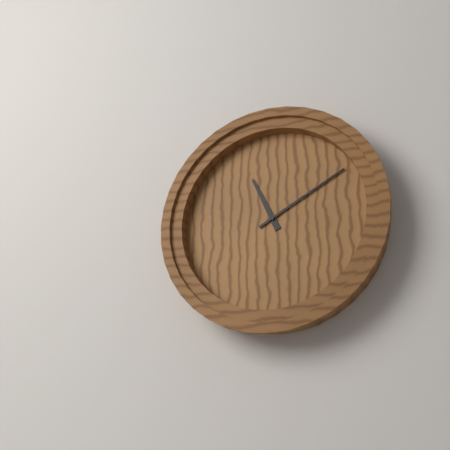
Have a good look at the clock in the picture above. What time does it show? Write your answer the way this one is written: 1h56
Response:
11h10
